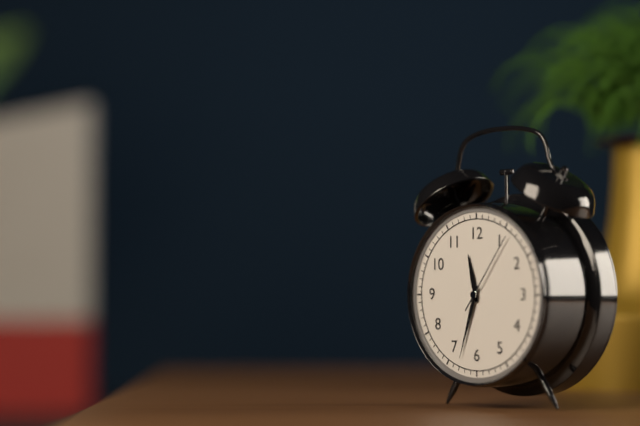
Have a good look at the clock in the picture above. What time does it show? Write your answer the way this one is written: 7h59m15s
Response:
11h33m06s
